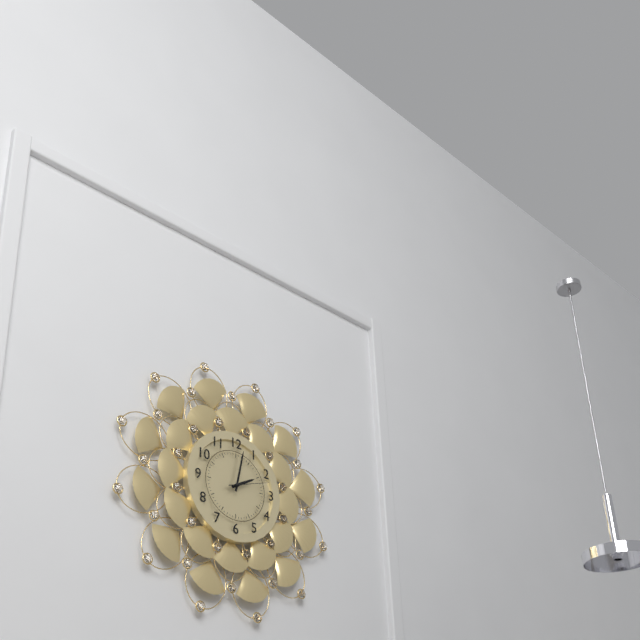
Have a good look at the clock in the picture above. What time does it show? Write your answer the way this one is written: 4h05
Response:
2h02
